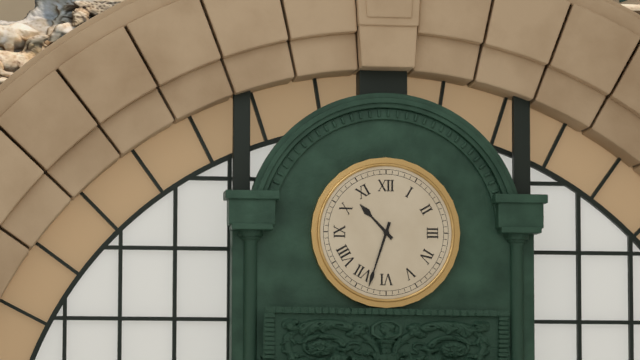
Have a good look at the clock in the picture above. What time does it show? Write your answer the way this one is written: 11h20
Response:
10h33
